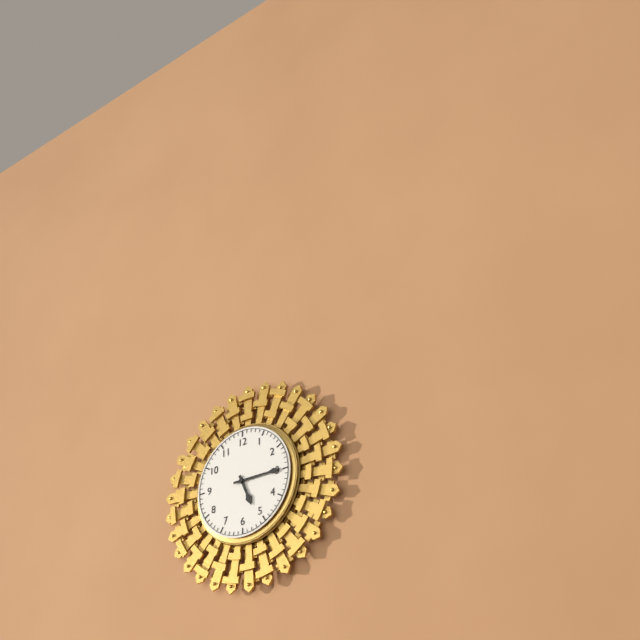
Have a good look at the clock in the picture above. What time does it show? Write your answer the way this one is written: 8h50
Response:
5h15
